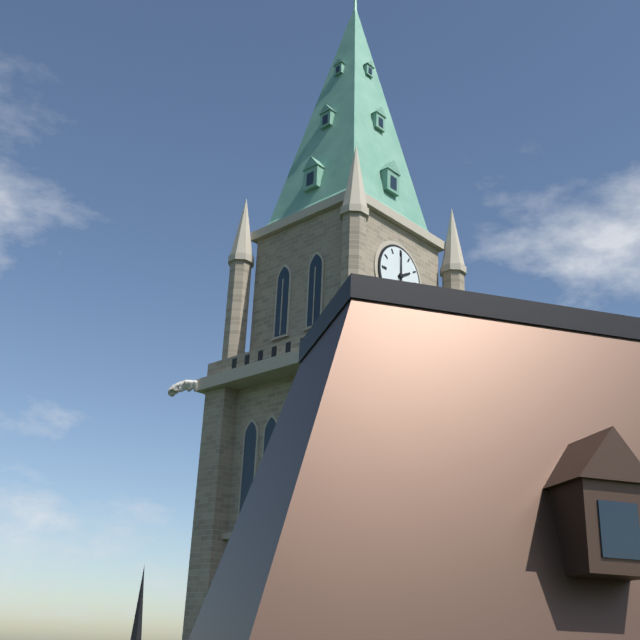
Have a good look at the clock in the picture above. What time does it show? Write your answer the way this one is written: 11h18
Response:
2h00
